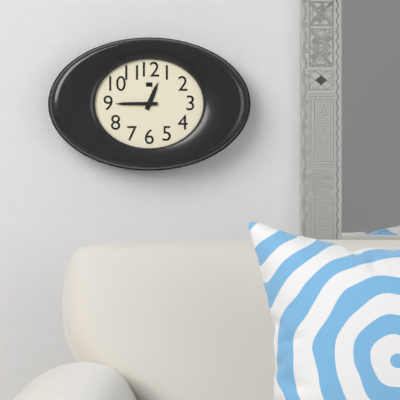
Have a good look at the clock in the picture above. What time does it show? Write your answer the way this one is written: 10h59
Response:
12h45
